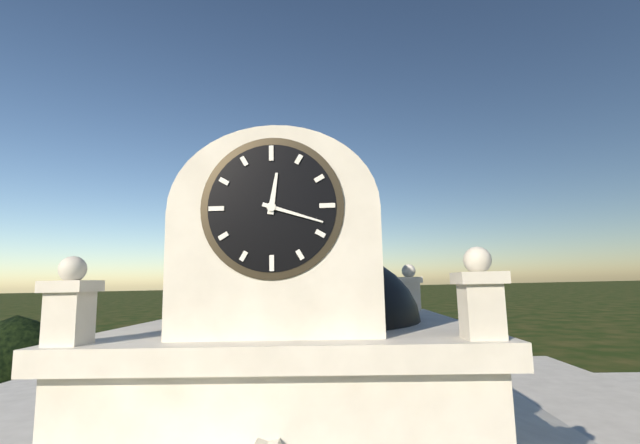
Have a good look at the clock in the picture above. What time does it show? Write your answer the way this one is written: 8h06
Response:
12h18
